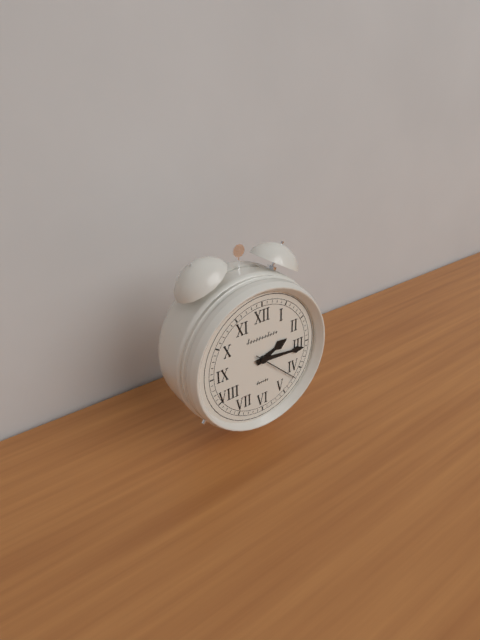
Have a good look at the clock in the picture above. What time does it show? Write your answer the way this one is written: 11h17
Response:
2h16
